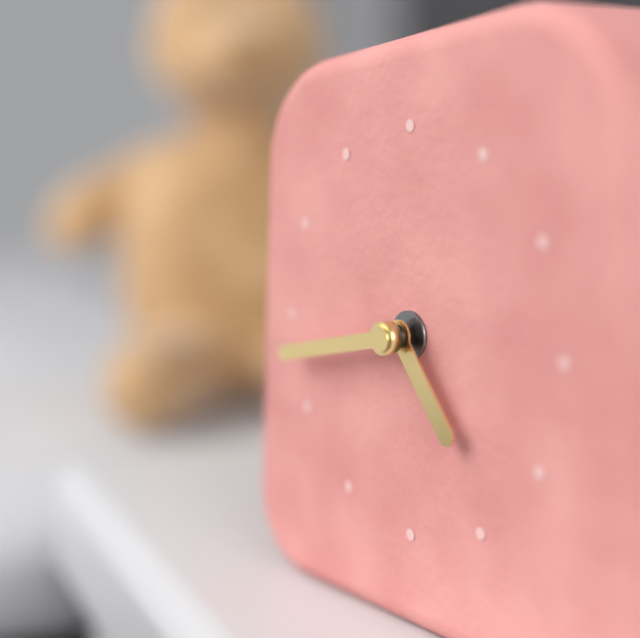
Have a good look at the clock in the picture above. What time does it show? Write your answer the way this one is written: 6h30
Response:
4h43
